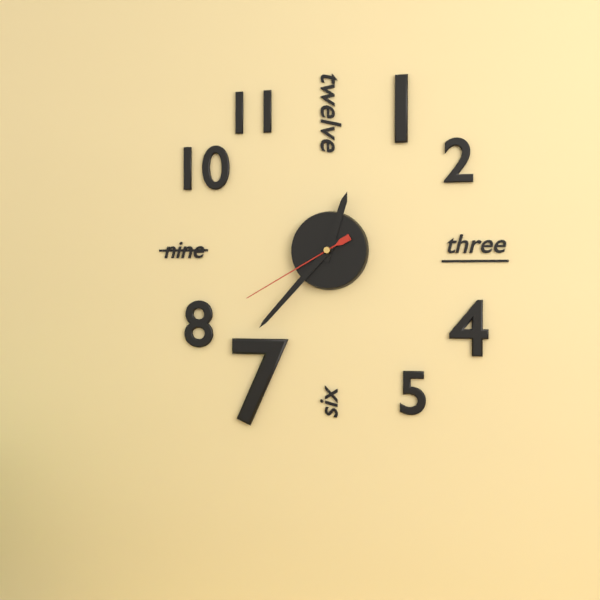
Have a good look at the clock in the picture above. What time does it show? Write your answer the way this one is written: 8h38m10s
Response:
12h37m40s
